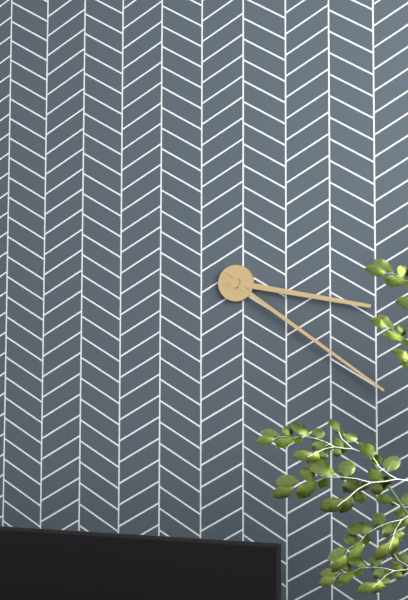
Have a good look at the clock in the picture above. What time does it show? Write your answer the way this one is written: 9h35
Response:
3h21
